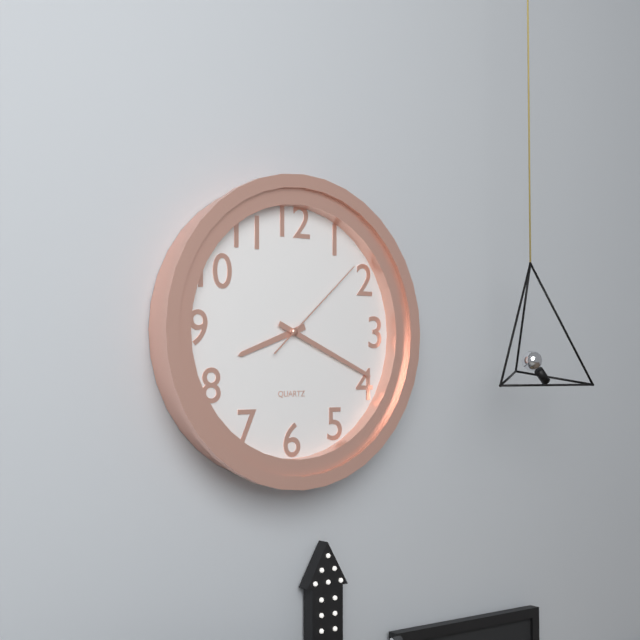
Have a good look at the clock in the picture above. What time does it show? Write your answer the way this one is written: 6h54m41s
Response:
8h19m08s
